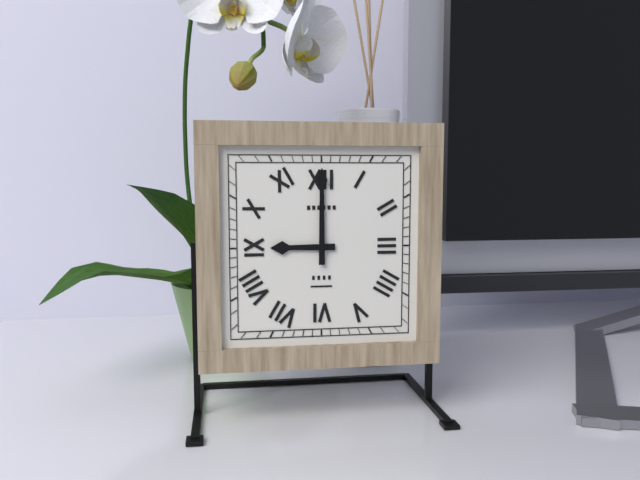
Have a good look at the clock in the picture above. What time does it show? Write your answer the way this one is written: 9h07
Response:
9h00
